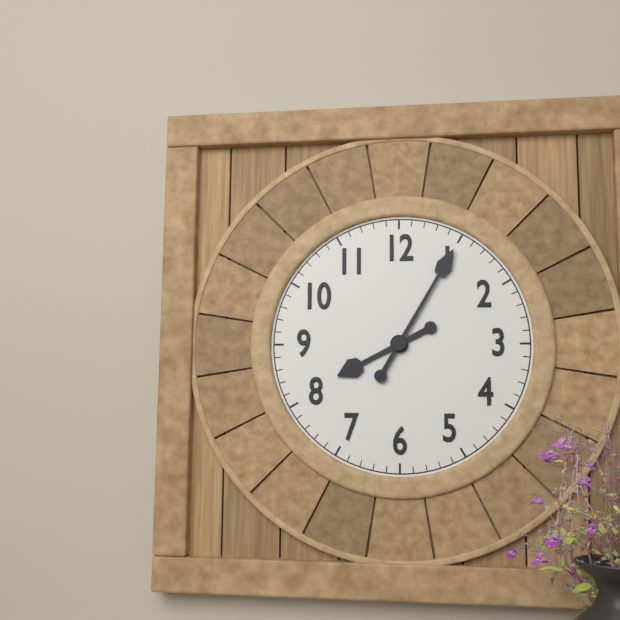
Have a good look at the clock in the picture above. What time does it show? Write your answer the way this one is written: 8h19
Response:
8h05
